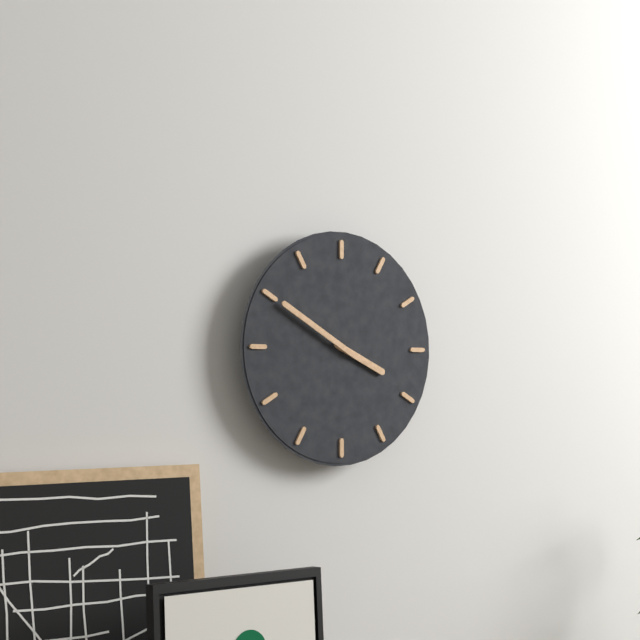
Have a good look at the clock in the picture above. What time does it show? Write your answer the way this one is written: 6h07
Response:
3h50
